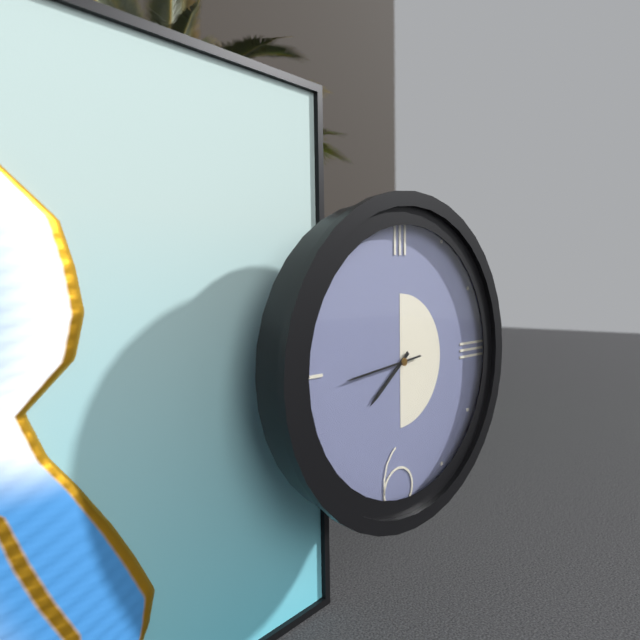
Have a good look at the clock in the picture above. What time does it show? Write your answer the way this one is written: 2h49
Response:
7h44
